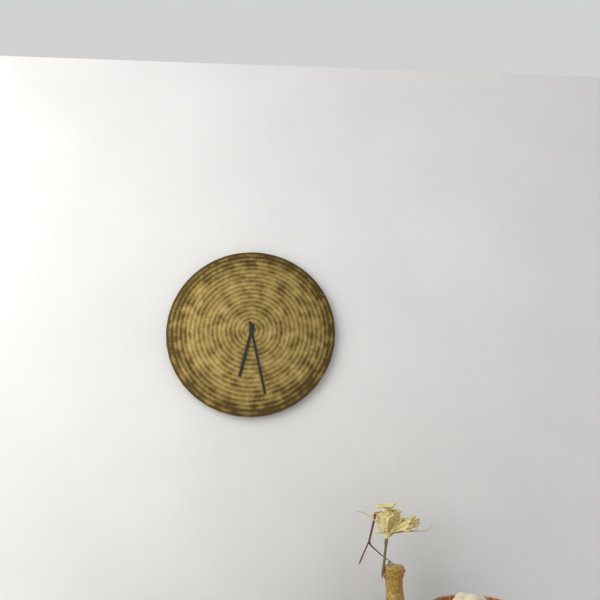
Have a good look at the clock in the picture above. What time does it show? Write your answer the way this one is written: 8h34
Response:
6h28
